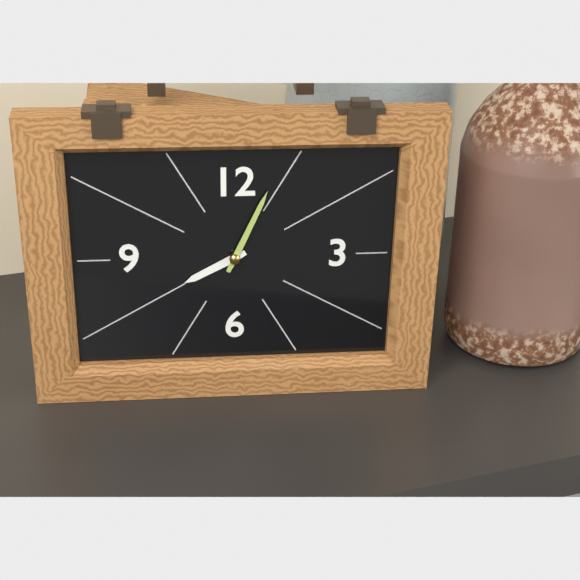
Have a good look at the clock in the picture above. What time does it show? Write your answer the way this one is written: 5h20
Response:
8h04
